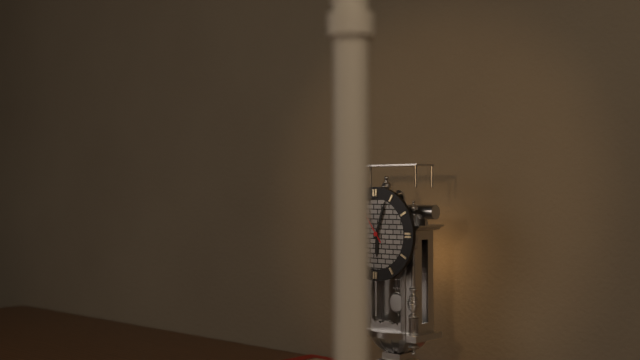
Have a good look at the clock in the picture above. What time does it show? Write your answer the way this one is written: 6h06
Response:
6h03
